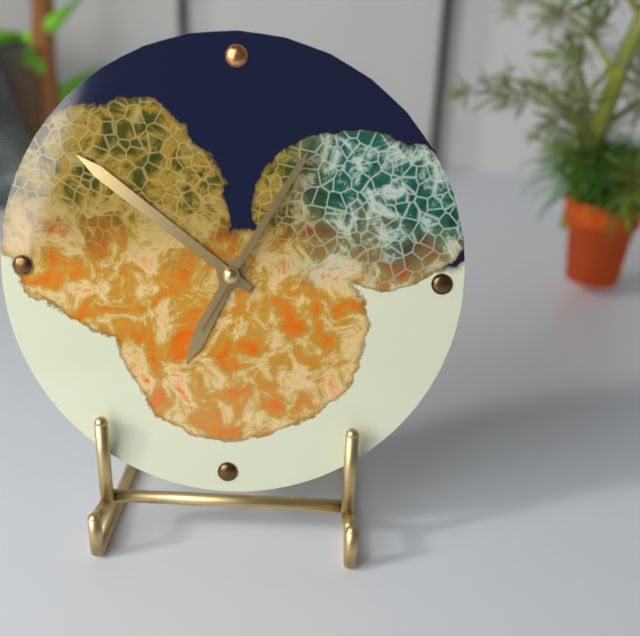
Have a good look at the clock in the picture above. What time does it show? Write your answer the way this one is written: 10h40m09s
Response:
6h51m05s
